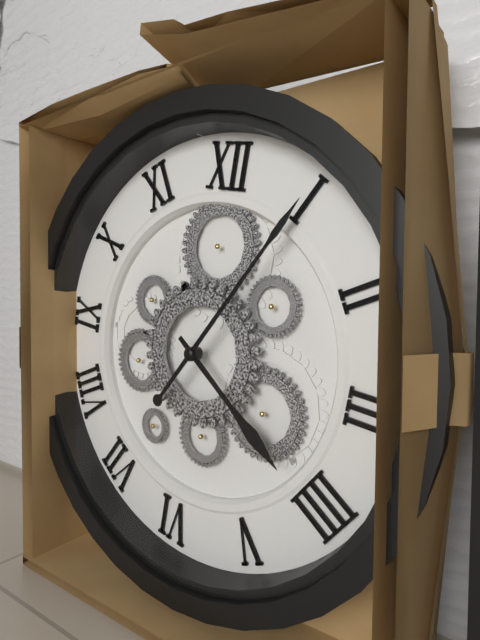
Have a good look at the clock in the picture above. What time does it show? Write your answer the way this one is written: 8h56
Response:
4h05
